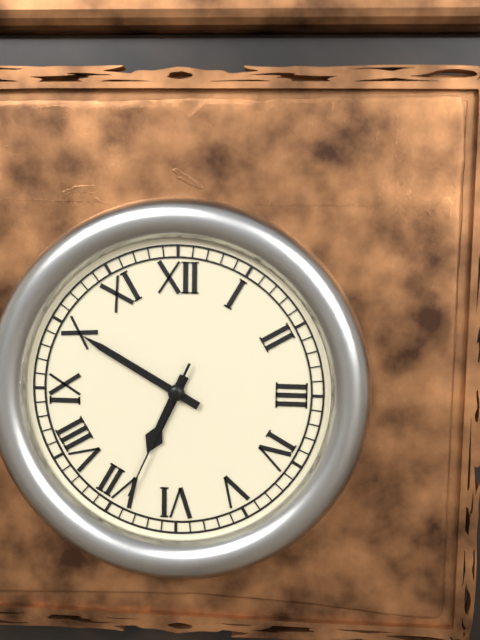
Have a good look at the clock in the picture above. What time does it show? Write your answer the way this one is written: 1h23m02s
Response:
6h50m34s
